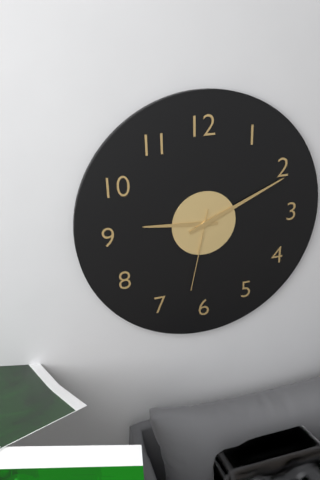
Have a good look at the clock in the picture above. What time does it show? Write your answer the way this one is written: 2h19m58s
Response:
9h11m32s
